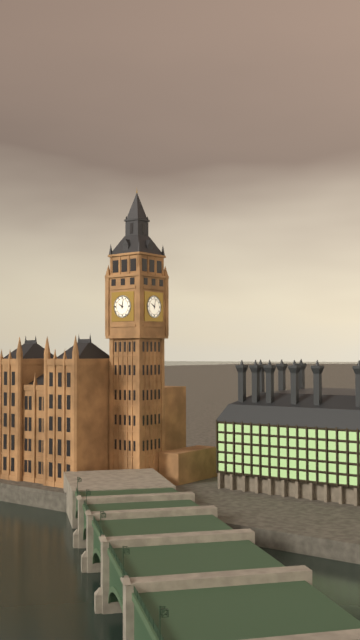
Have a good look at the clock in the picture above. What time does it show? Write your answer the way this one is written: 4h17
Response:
10h02
